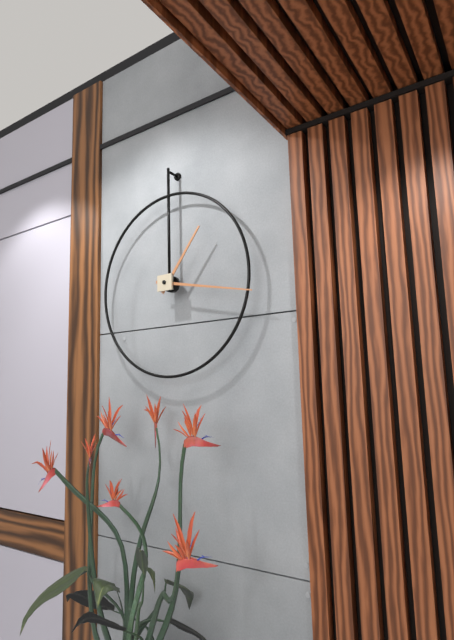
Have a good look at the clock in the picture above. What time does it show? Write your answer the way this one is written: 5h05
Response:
1h17
